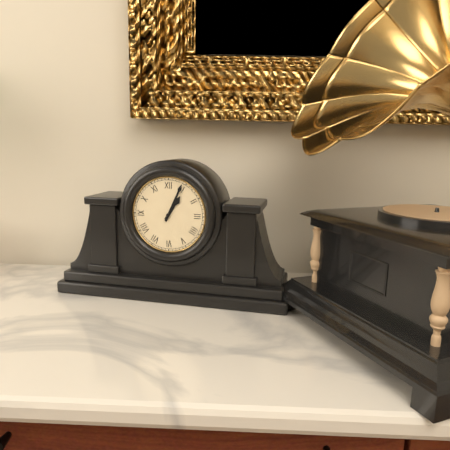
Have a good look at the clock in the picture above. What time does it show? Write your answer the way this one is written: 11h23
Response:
1h04
